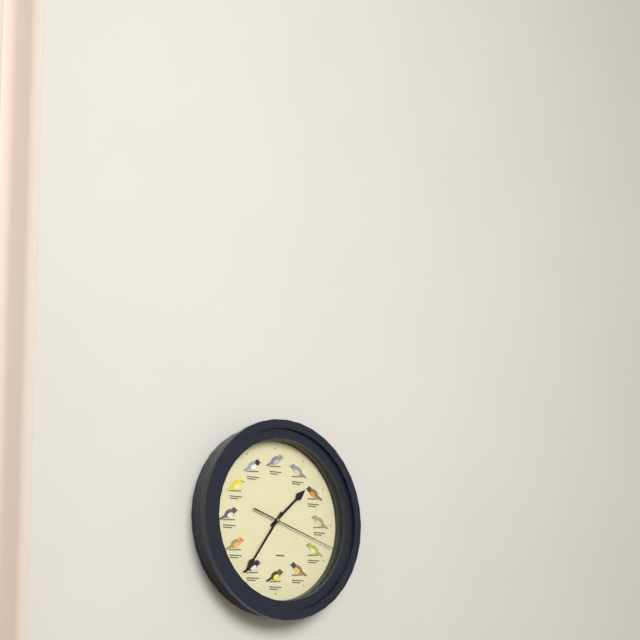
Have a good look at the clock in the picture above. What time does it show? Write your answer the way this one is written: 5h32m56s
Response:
1h36m18s
